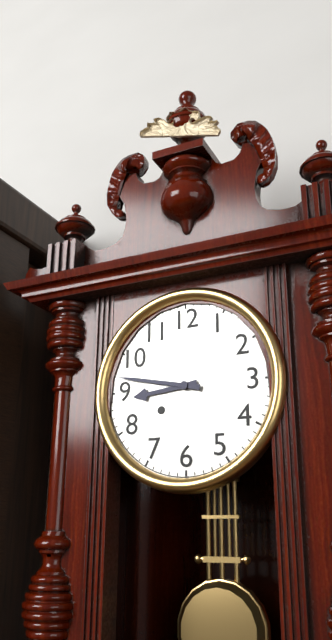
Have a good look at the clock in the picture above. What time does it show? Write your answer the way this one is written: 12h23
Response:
8h47
